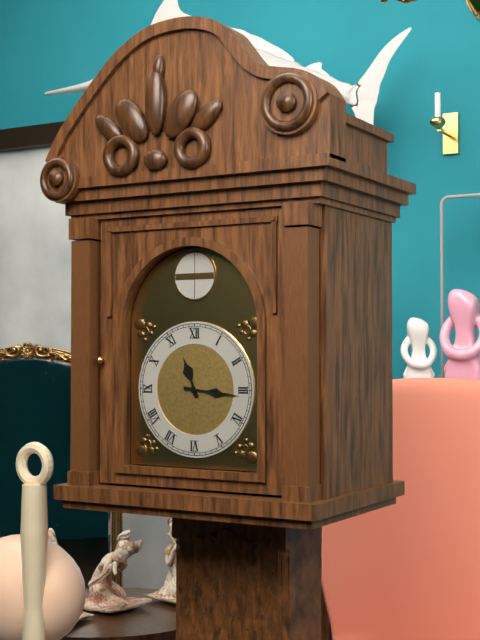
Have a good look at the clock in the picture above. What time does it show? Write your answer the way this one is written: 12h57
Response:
11h16
